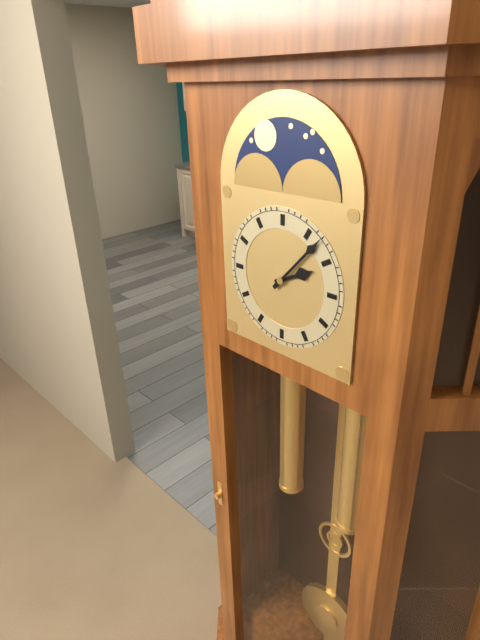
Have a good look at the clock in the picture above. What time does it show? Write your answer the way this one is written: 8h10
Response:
2h07
